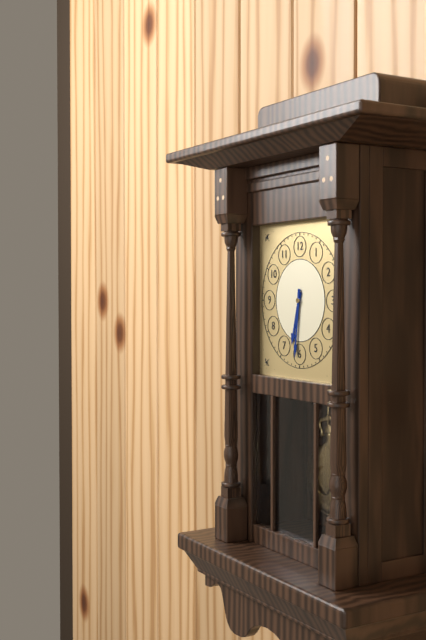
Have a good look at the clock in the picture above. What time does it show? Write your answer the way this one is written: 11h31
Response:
6h31
